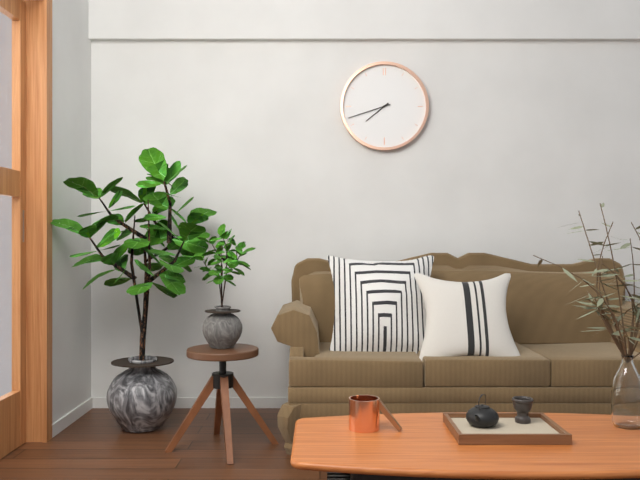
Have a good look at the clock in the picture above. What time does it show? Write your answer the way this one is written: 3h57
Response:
7h42
